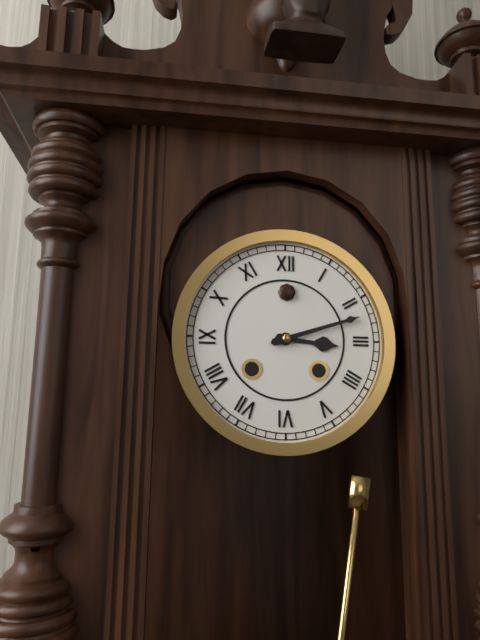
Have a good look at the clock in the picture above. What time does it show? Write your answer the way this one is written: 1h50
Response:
3h12
